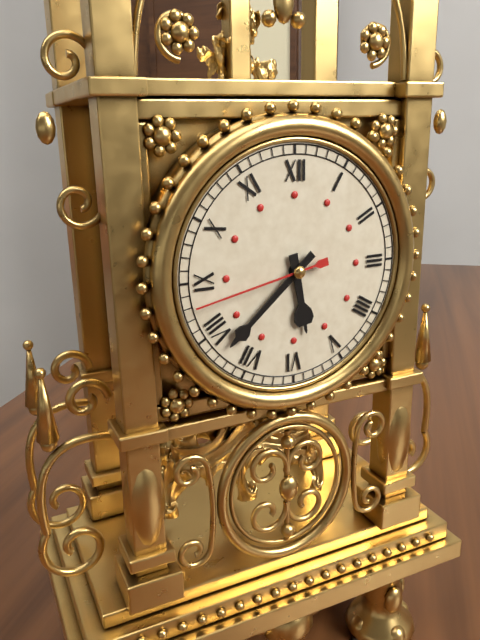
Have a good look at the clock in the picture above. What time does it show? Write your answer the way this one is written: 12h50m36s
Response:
5h38m43s
